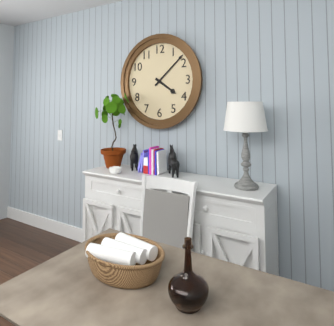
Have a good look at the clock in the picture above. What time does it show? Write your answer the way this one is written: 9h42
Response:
4h08
